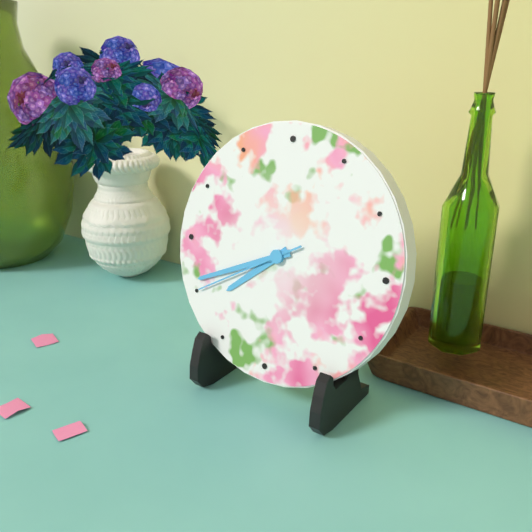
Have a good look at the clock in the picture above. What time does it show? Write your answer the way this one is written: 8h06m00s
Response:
7h41m40s
